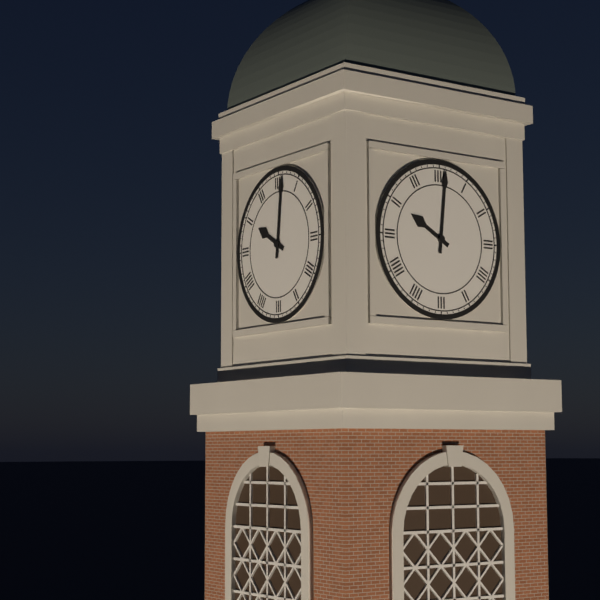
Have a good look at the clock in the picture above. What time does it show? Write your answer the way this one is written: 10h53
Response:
10h01
